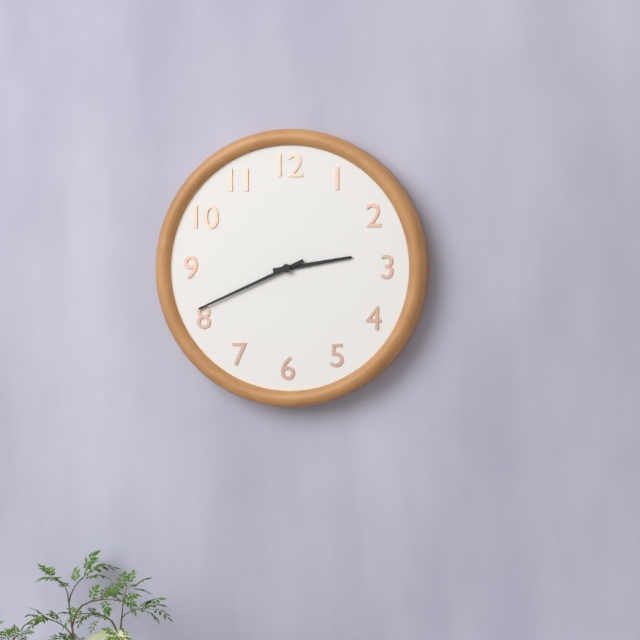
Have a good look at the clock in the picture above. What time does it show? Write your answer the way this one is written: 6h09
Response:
2h41
